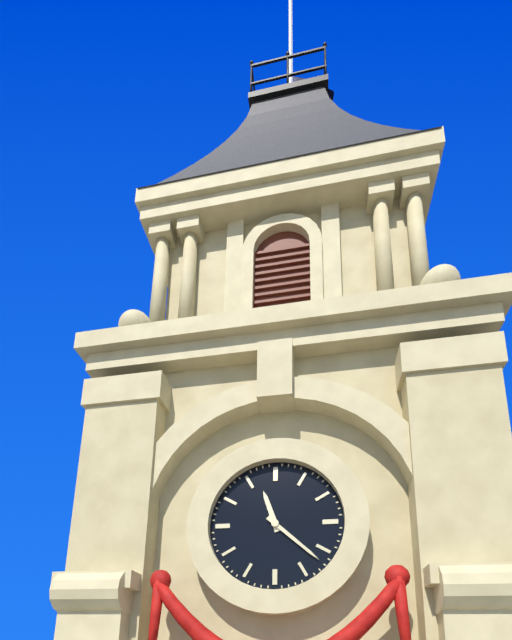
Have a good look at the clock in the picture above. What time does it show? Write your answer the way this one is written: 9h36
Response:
11h22
